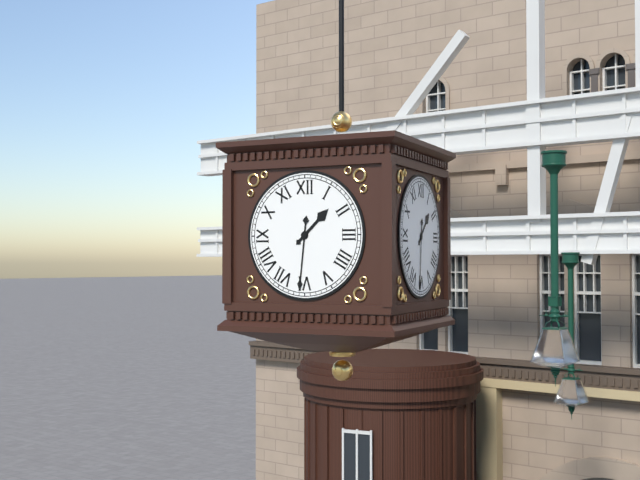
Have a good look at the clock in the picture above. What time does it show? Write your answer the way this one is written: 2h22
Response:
1h31
